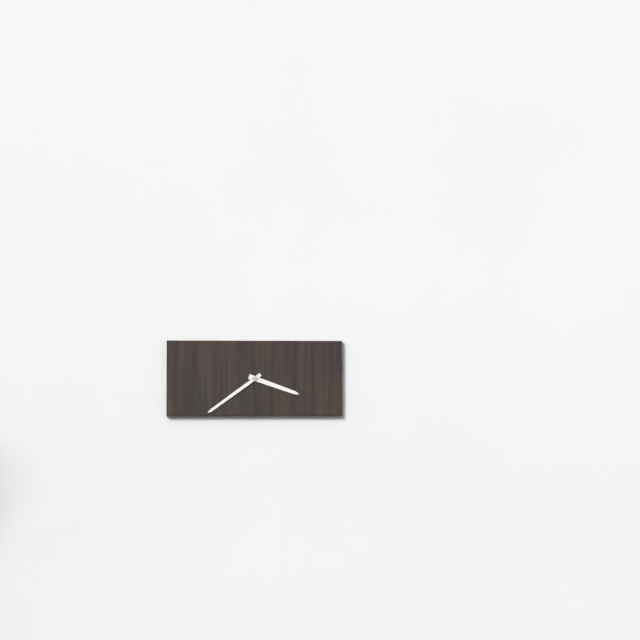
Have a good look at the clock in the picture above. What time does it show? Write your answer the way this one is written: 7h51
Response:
3h39
